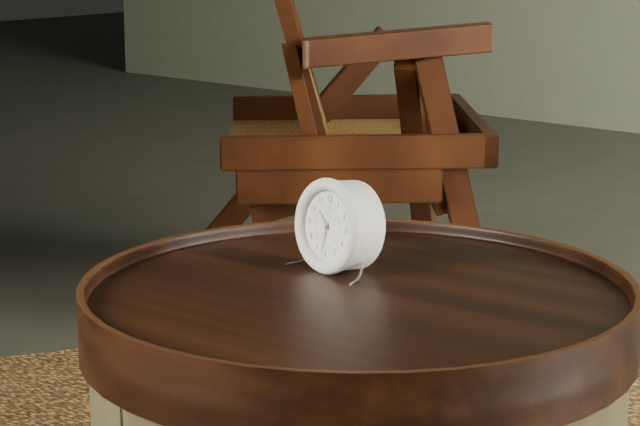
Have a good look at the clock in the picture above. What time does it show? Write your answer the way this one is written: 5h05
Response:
10h32
